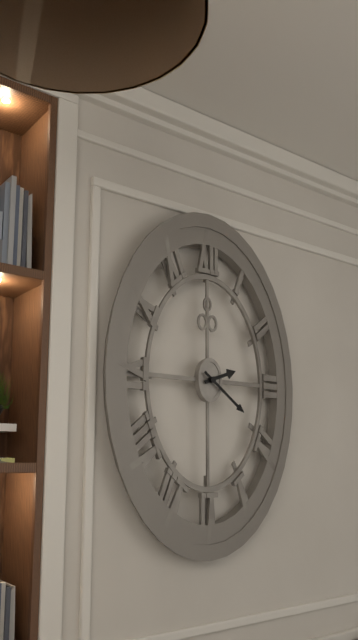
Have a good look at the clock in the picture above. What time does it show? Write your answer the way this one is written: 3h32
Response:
2h21
